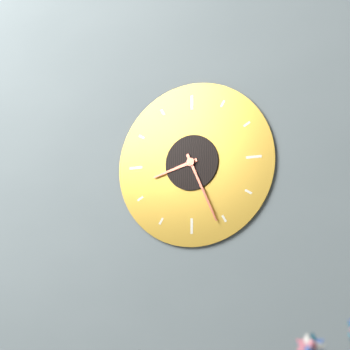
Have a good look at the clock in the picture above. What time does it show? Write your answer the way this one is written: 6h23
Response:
8h26
